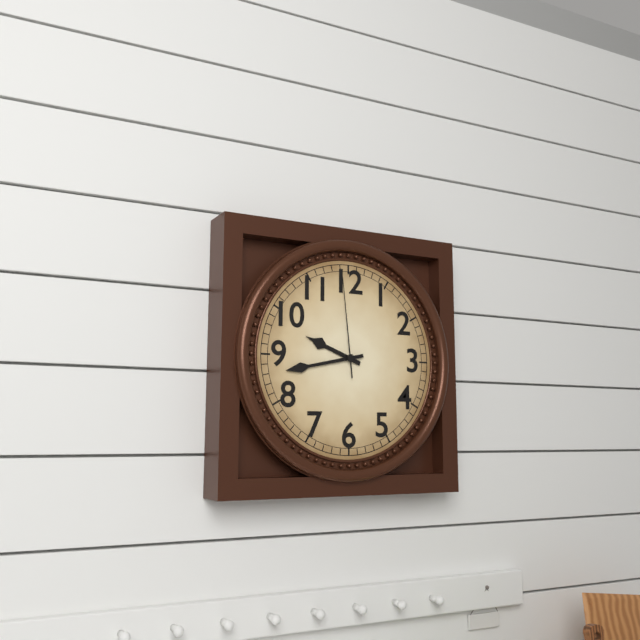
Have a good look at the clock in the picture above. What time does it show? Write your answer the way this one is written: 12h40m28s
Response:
9h43m59s
